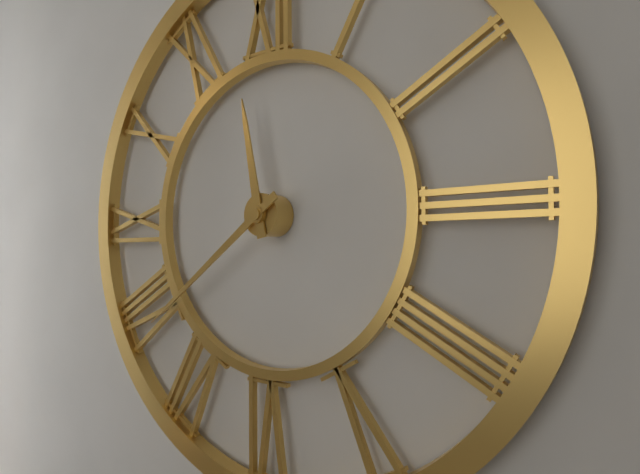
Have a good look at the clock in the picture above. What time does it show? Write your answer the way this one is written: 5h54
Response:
11h39
